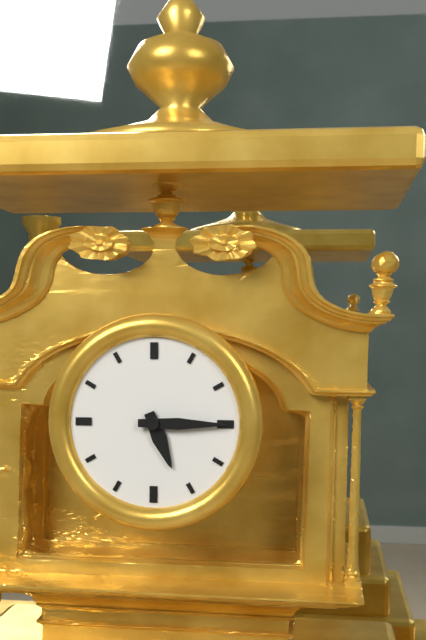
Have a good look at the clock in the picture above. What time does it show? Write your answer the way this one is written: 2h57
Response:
5h15
